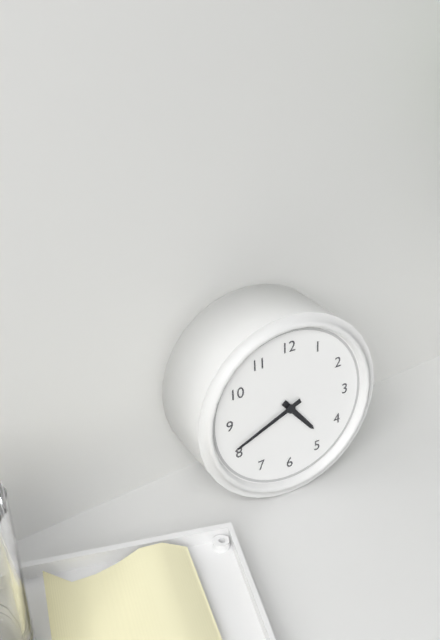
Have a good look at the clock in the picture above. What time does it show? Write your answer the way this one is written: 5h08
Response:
4h41
